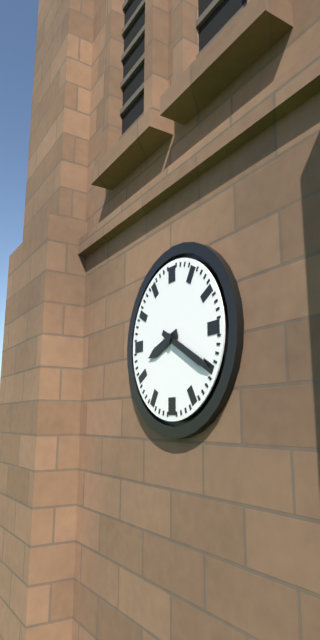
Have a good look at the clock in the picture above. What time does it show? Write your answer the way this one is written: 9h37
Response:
8h20
